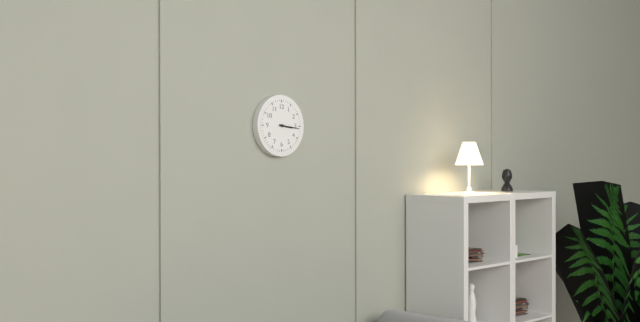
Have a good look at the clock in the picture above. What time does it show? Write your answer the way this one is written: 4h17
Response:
3h16
